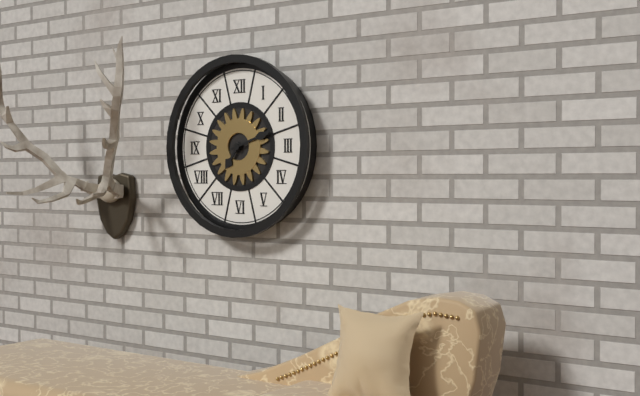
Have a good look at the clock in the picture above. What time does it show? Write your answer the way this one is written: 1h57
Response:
7h12
